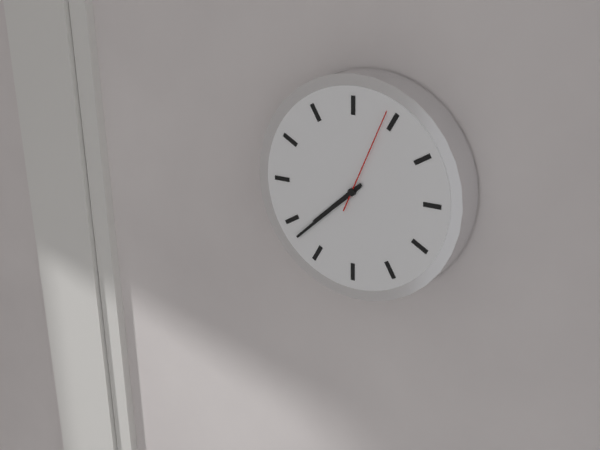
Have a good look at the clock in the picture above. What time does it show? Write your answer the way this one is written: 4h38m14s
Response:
7h38m04s
